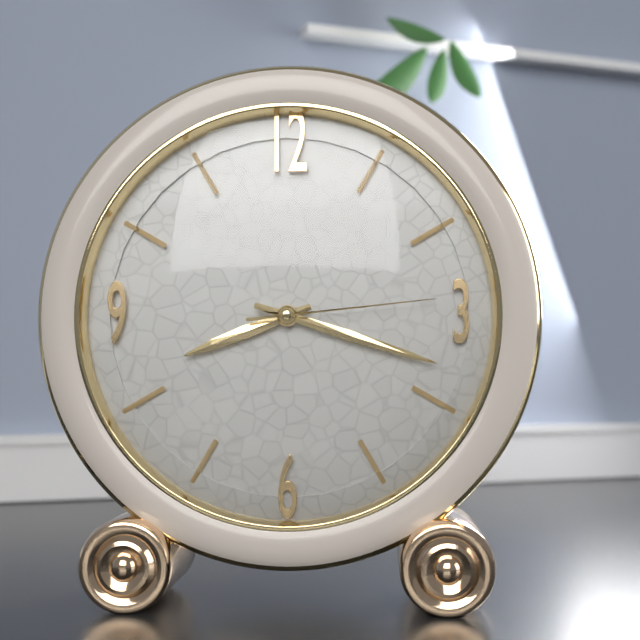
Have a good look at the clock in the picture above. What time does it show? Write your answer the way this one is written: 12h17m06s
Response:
8h18m14s
